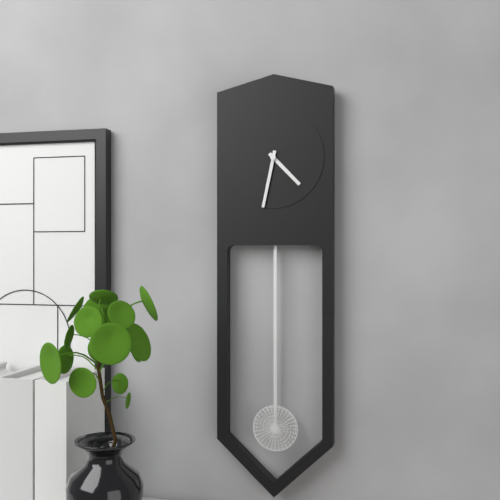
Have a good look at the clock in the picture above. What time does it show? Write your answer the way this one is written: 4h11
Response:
4h32
